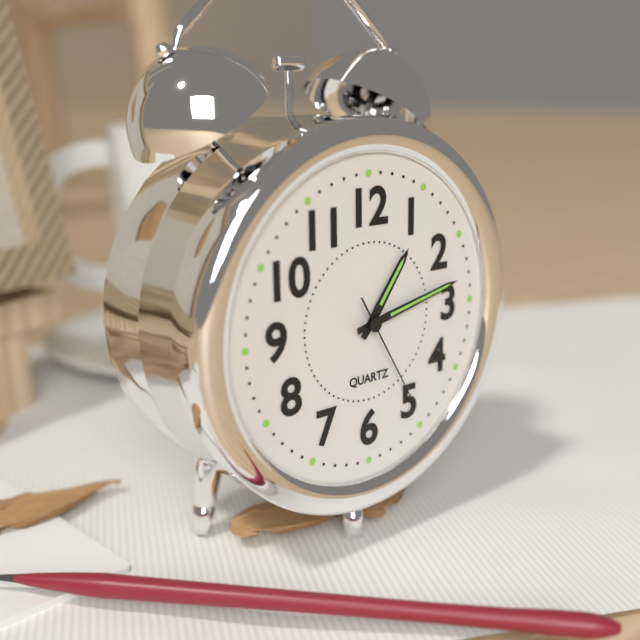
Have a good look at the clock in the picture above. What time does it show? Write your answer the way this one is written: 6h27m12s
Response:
1h13m25s
